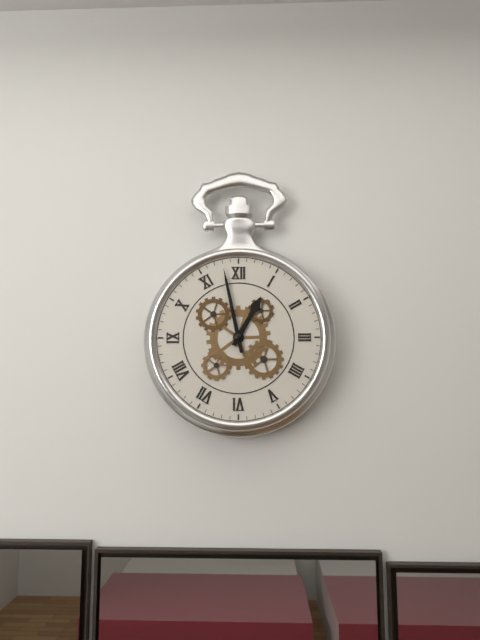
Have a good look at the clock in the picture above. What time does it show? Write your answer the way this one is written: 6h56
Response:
12h58
